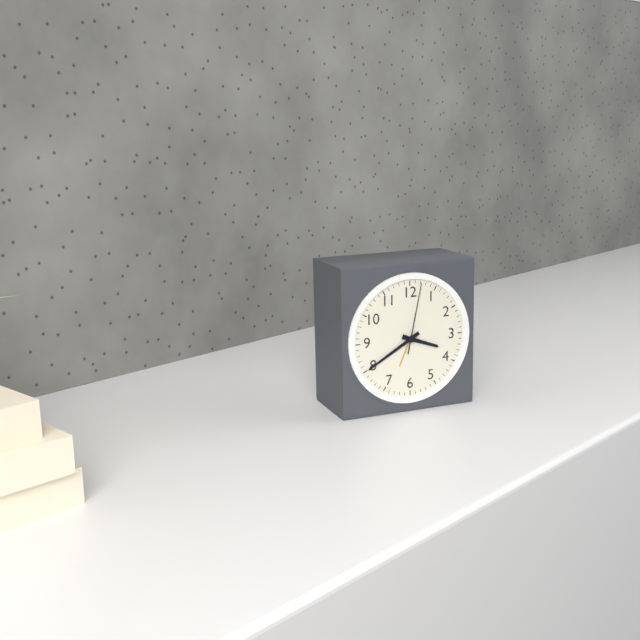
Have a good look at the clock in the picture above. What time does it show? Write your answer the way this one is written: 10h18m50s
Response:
3h40m02s
